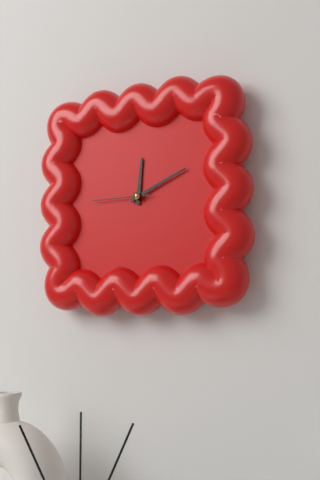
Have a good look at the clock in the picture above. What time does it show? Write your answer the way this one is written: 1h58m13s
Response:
12h11m45s
